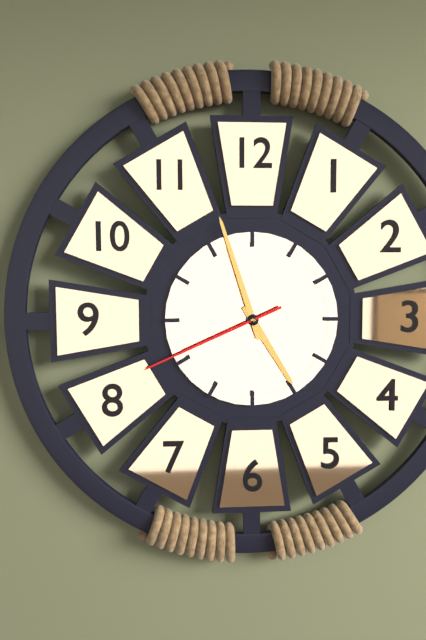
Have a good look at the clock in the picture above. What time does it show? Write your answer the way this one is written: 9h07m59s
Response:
4h57m41s
